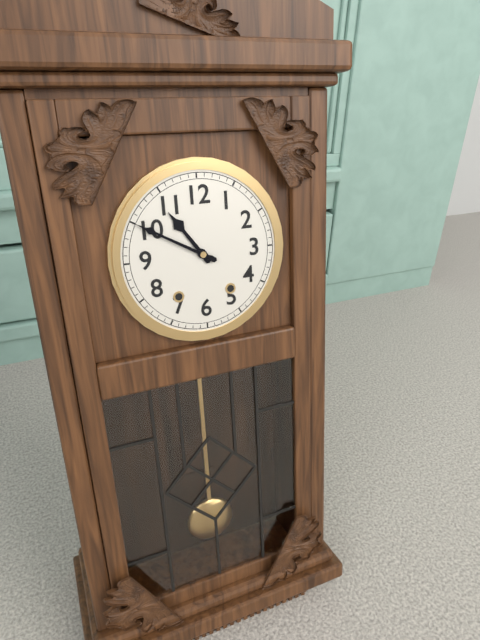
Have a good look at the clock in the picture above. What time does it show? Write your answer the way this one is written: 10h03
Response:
10h50
